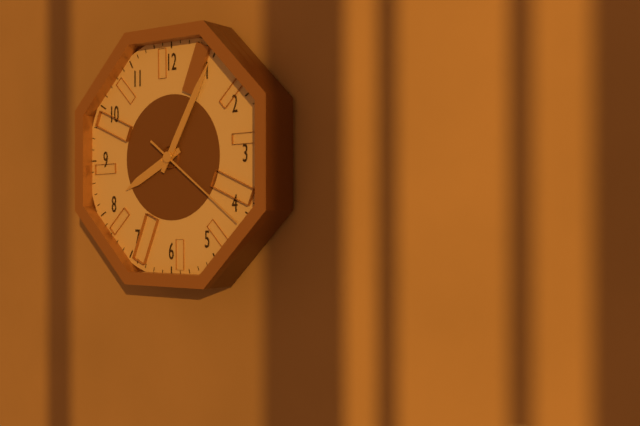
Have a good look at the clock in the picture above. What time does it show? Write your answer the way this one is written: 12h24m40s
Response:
8h05m21s
